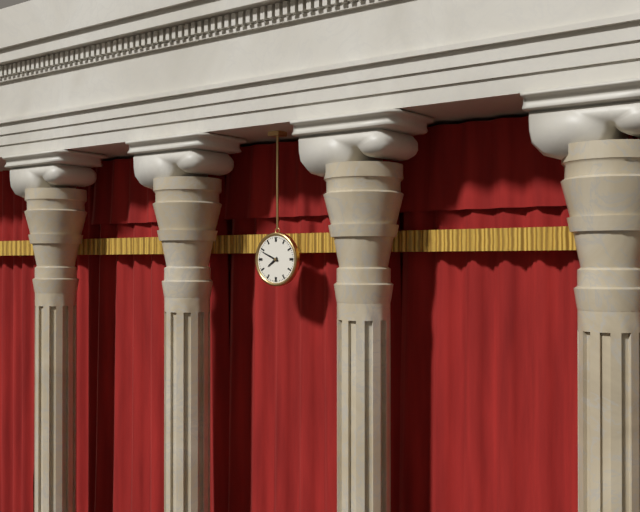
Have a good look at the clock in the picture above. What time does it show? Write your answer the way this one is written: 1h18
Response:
7h49
